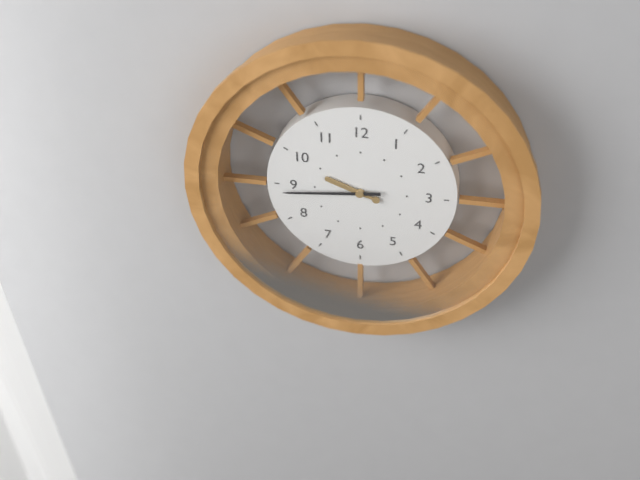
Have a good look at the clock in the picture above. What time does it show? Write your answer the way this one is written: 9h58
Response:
9h44
